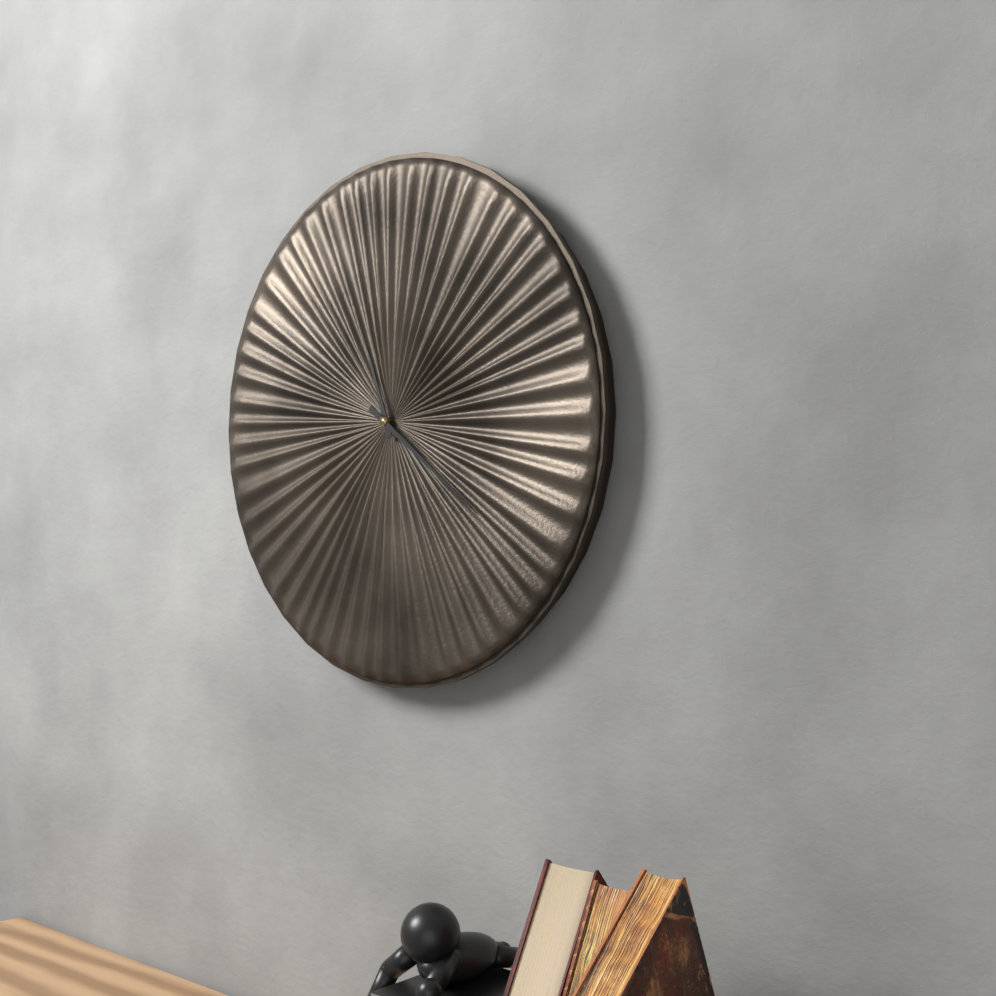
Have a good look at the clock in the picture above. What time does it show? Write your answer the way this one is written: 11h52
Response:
11h21
